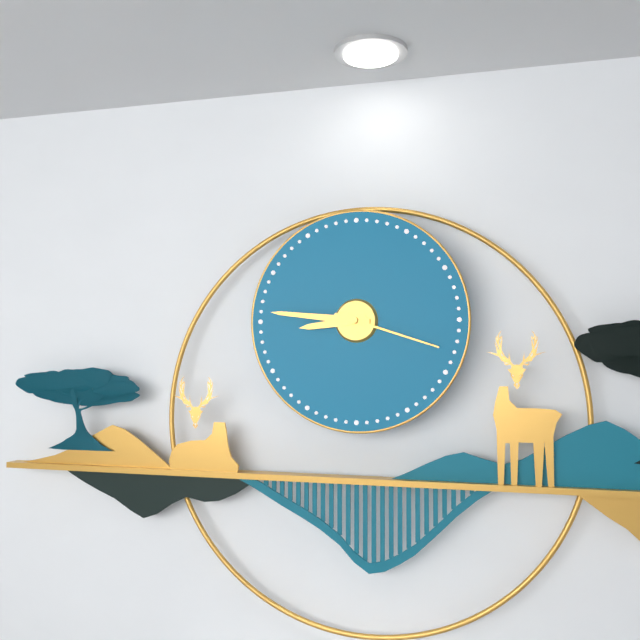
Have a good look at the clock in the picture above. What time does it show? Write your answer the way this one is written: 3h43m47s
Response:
8h46m18s
